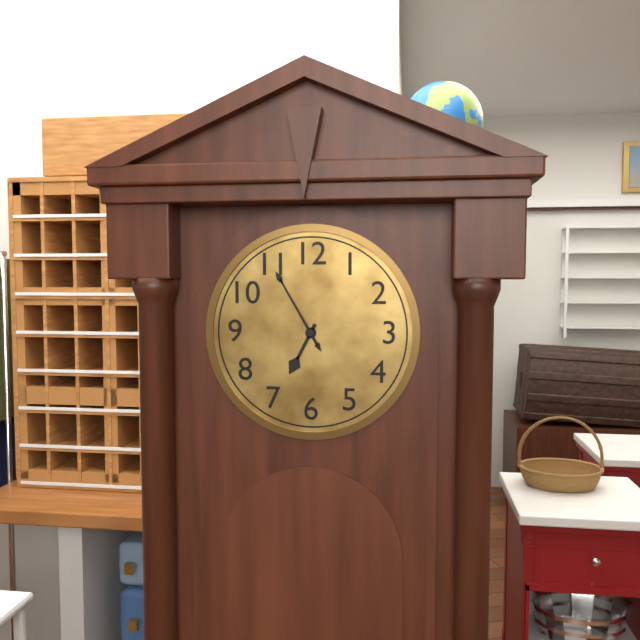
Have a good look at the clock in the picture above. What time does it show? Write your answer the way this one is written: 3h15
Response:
6h55
